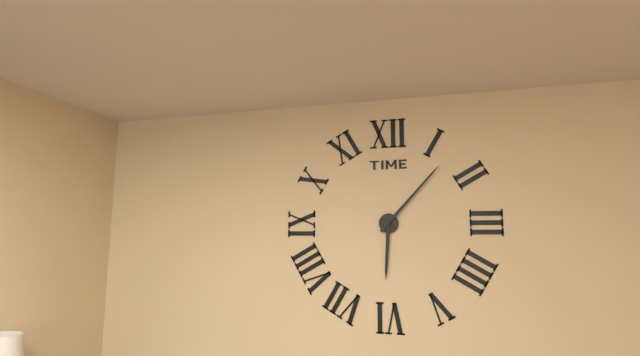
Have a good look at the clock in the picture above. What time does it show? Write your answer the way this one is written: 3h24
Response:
6h07
